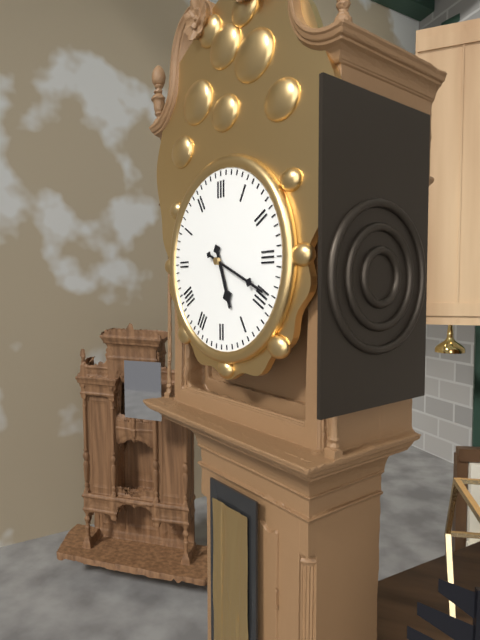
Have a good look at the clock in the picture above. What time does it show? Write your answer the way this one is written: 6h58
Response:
5h19
